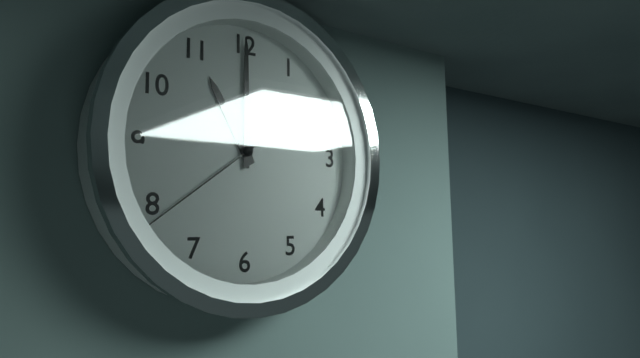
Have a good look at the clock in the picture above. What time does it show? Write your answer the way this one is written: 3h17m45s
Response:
11h00m39s
